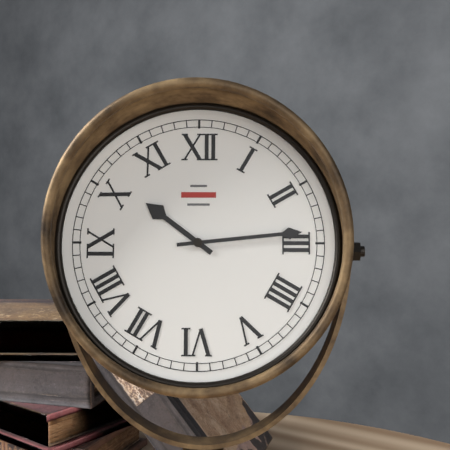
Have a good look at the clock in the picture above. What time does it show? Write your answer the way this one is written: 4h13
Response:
10h14
